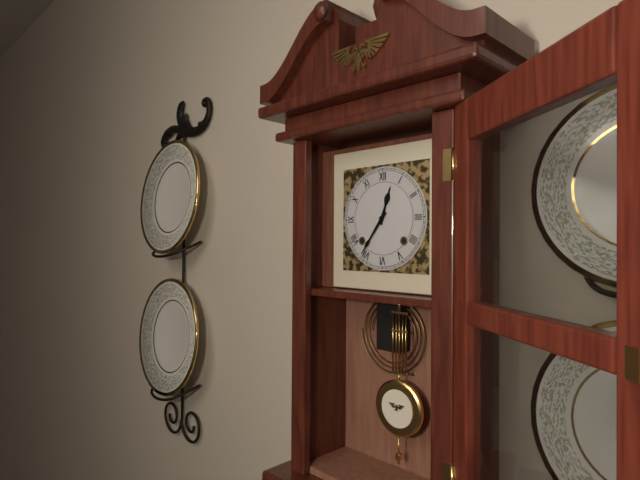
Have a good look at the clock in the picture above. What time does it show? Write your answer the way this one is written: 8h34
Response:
12h36
